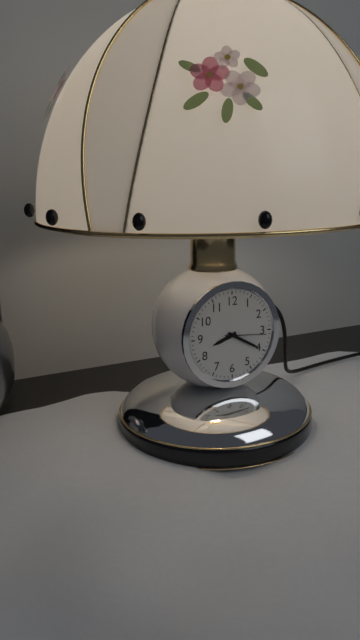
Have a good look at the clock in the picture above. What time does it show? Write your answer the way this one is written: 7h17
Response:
8h20
